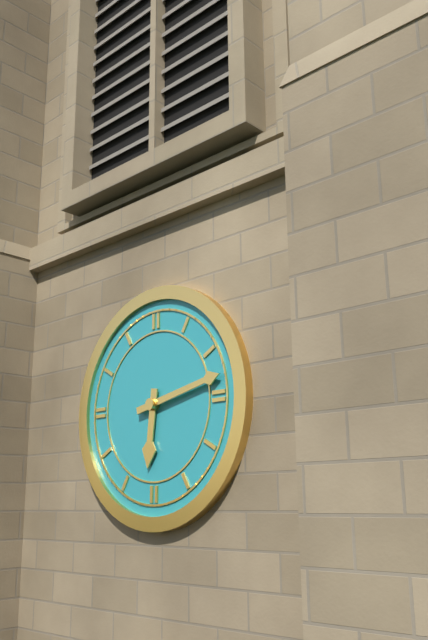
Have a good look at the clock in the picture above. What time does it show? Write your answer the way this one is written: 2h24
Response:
6h13
